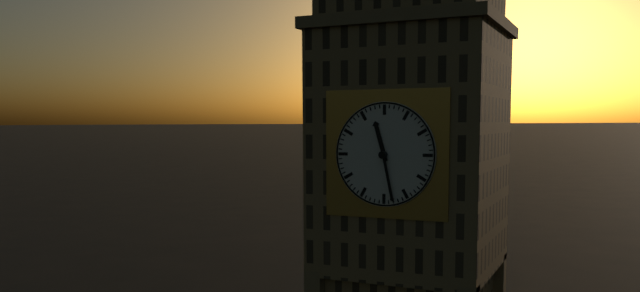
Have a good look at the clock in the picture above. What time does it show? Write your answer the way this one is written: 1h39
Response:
11h28
